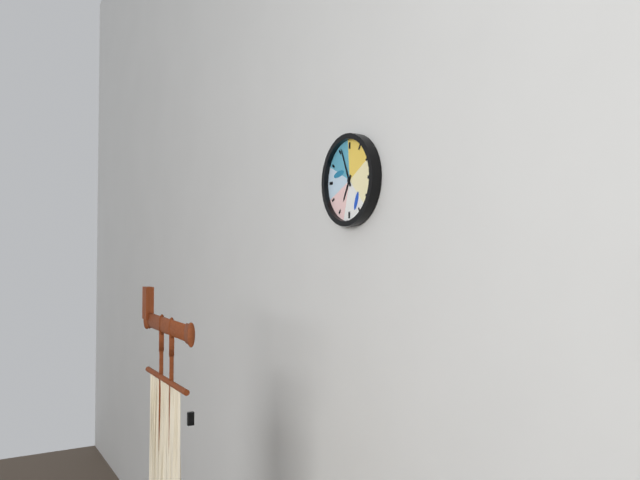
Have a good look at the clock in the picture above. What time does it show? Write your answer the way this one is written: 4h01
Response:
6h56
